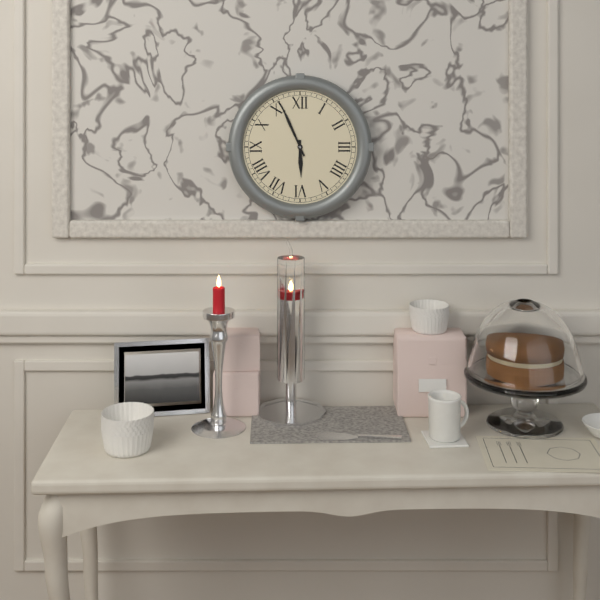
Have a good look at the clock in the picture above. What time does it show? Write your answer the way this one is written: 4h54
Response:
5h56
